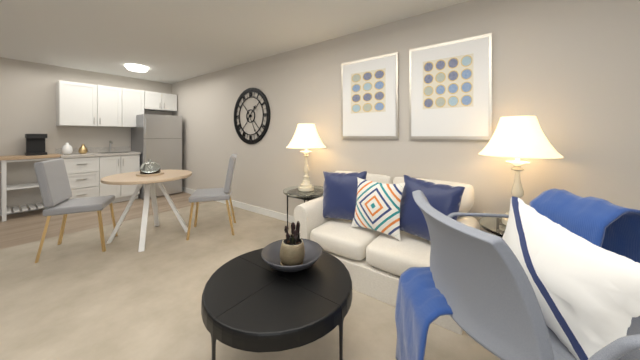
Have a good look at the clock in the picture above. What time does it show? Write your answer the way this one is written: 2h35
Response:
1h25
